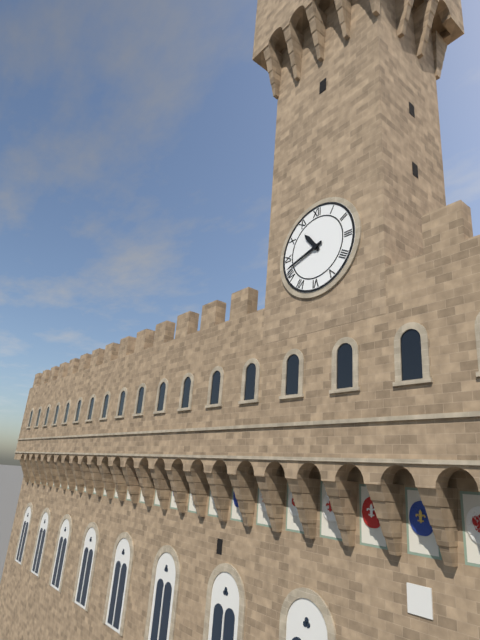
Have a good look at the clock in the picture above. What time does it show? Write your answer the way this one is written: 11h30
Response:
10h42
